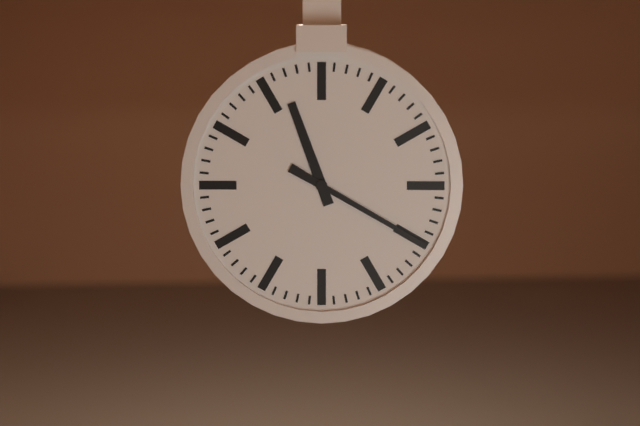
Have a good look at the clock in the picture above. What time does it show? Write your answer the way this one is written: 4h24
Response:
11h20
